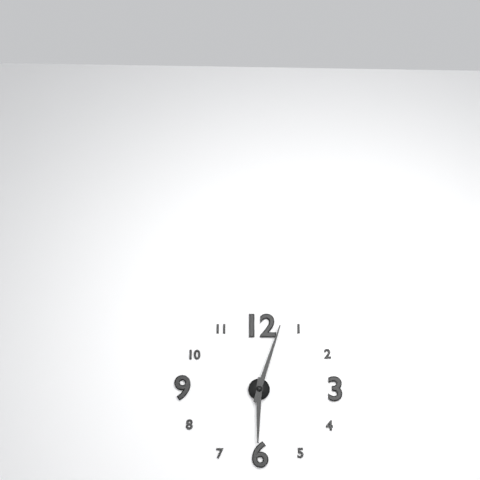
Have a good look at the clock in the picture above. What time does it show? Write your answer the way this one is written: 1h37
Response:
6h03
